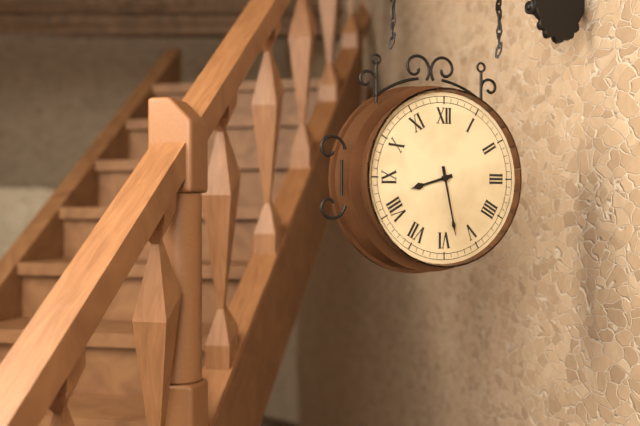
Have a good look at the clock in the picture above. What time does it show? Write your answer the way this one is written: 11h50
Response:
8h28
